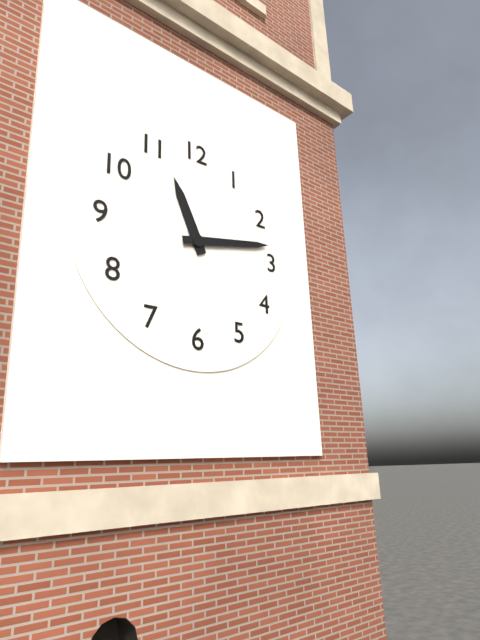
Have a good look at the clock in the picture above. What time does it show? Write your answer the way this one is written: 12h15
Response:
11h13
